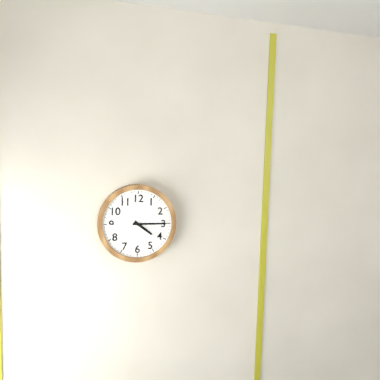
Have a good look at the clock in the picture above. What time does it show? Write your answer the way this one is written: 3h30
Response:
4h15
